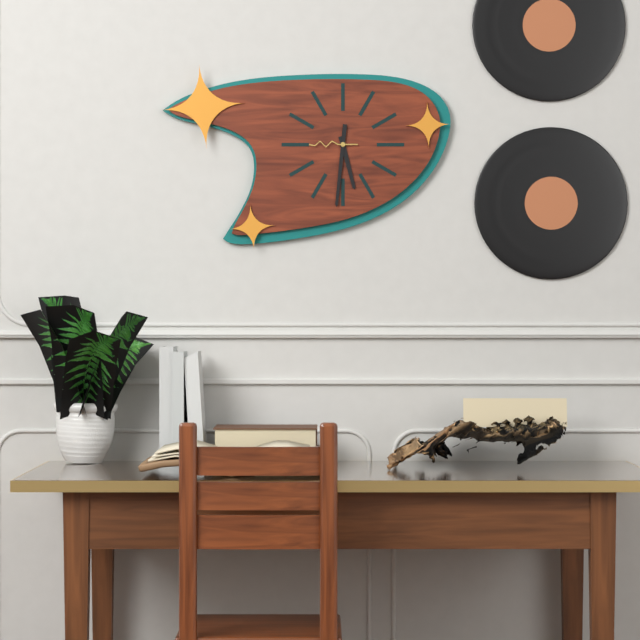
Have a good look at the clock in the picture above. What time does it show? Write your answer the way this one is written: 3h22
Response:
5h31
